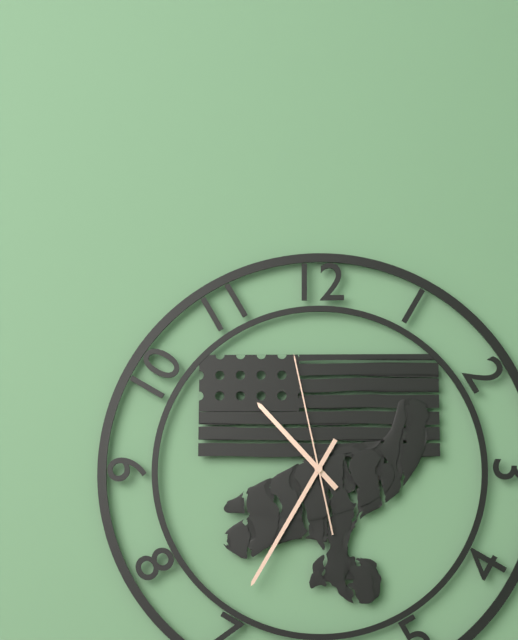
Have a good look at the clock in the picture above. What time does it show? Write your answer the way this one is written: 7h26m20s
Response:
10h35m58s
